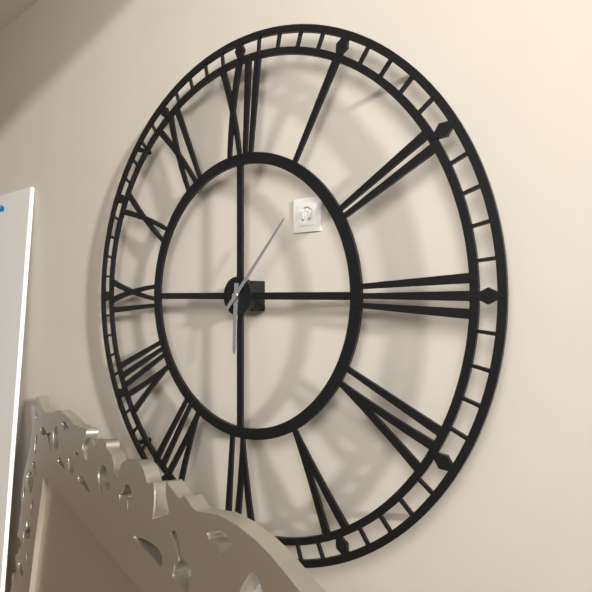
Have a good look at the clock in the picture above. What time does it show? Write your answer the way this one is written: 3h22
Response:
6h07
